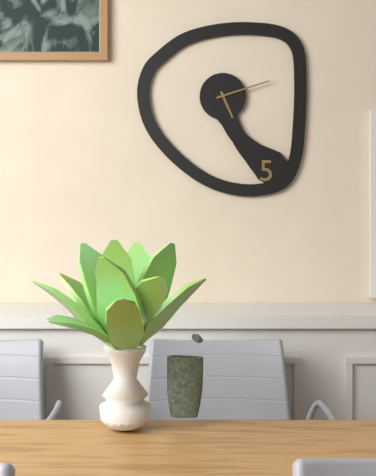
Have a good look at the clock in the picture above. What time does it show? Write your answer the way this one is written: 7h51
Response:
5h12
